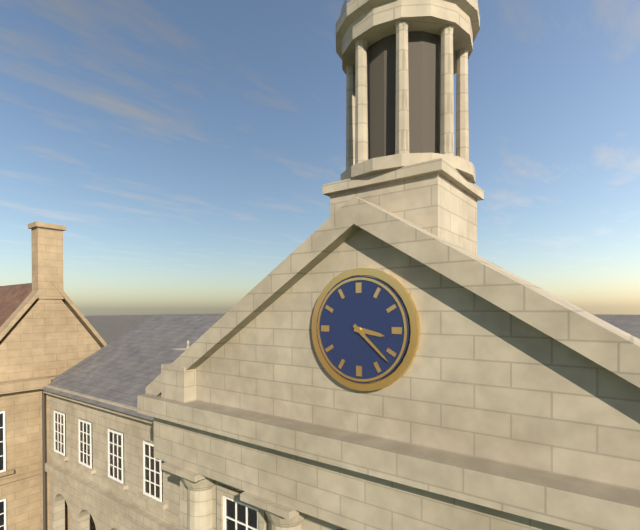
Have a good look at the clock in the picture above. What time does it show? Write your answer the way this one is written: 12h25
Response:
3h22
